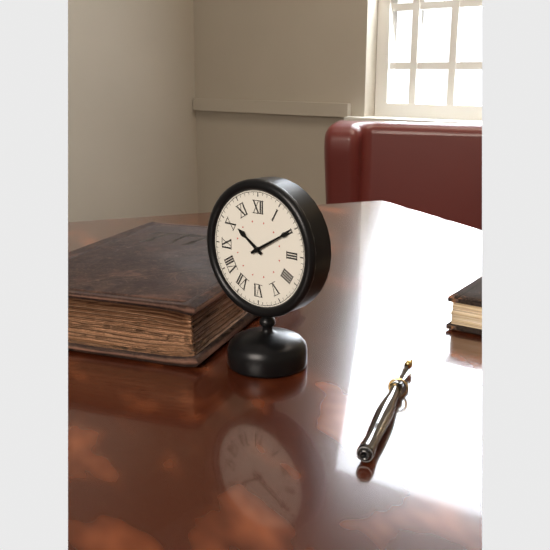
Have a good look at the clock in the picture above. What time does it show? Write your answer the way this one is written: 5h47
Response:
10h10
